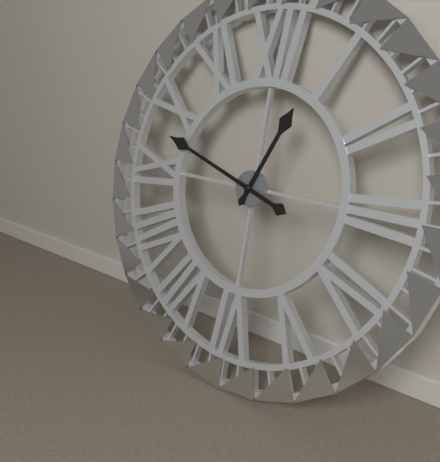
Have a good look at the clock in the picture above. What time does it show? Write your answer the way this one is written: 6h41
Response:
12h48
